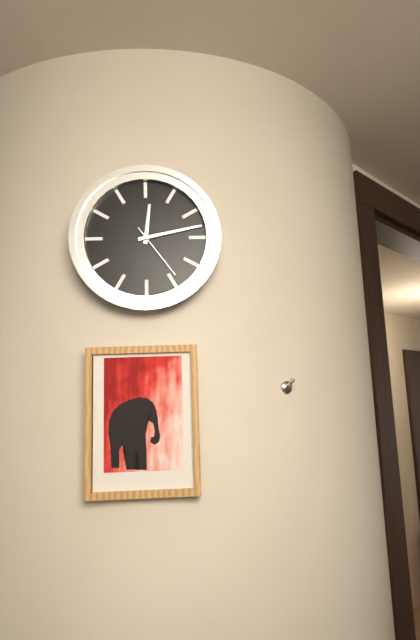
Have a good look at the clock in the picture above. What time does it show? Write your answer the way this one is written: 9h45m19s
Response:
12h13m24s
